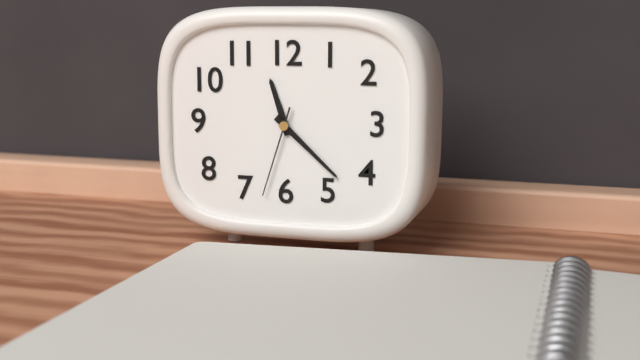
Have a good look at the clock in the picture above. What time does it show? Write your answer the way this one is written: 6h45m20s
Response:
11h22m33s
